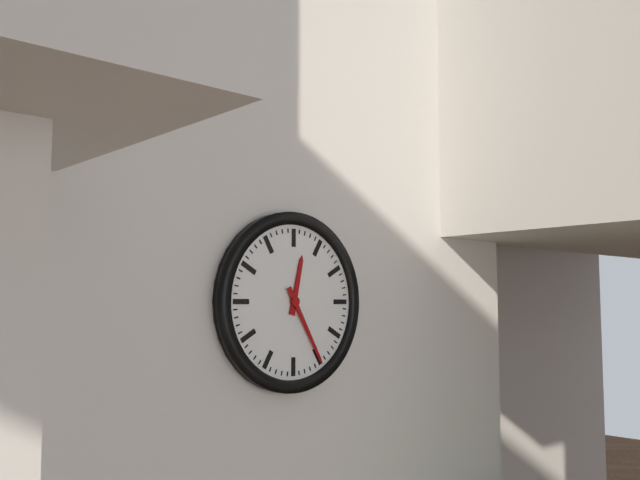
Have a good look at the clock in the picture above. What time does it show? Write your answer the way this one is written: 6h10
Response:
12h25
